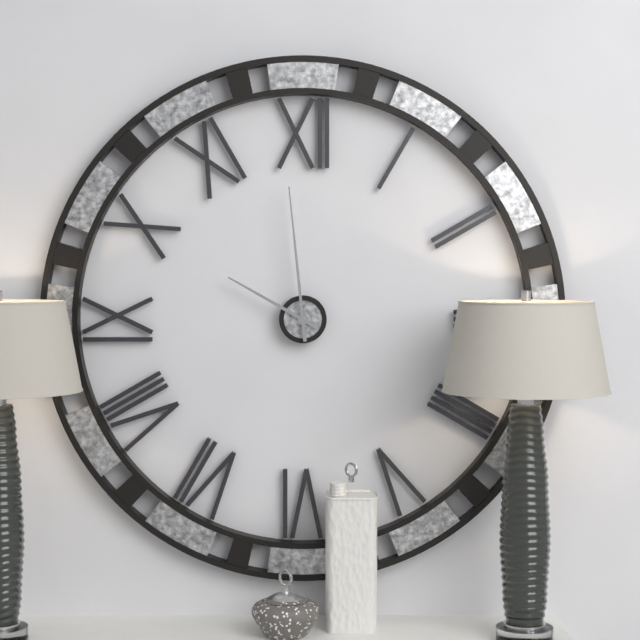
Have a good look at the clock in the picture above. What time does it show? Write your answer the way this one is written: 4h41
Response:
9h59
